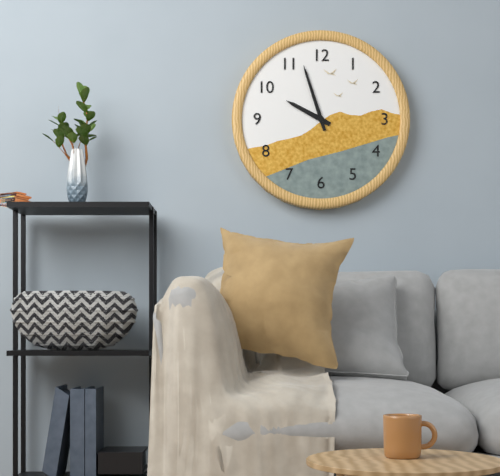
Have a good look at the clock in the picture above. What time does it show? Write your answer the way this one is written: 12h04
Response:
9h57
